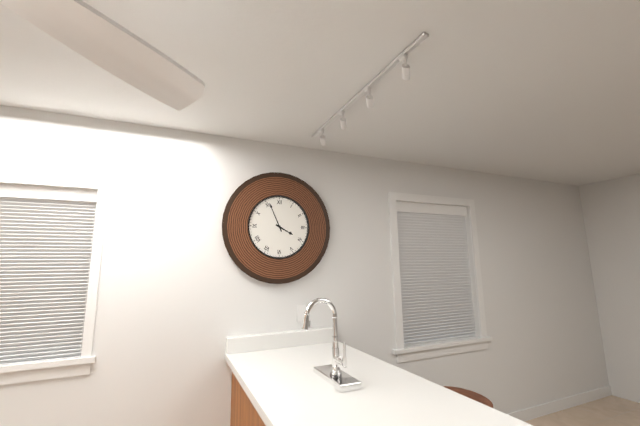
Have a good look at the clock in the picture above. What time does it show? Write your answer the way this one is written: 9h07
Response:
3h56
